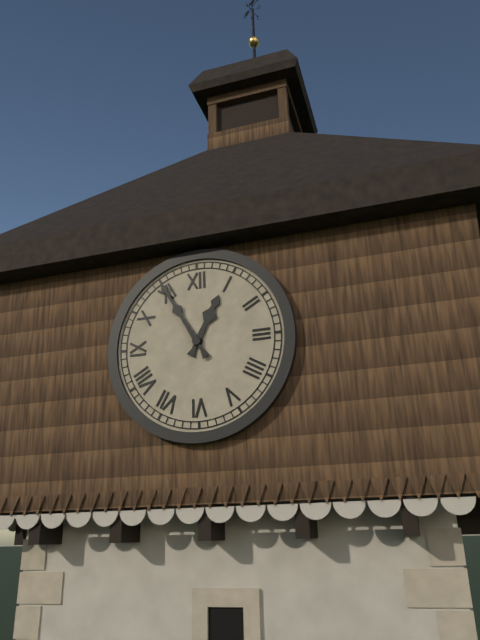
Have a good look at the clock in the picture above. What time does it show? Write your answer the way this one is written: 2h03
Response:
12h55
